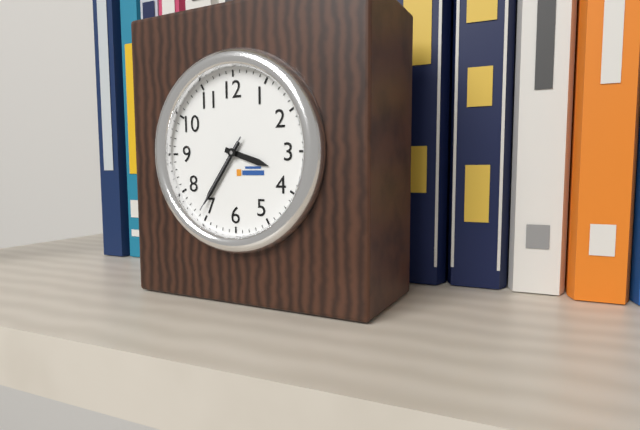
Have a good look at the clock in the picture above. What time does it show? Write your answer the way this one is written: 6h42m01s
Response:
3h36m36s
